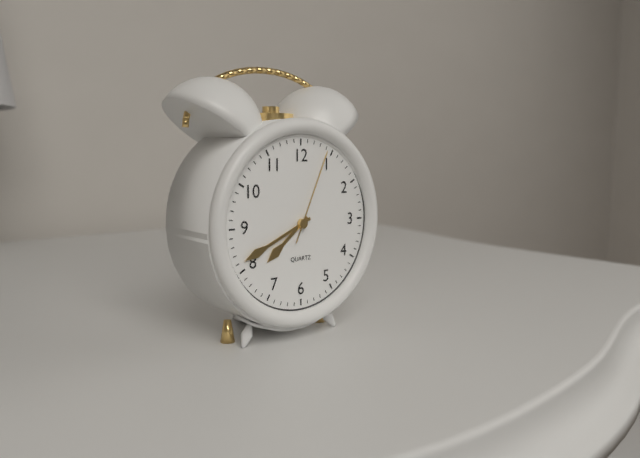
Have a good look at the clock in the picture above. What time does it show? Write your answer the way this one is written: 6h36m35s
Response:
7h41m04s
